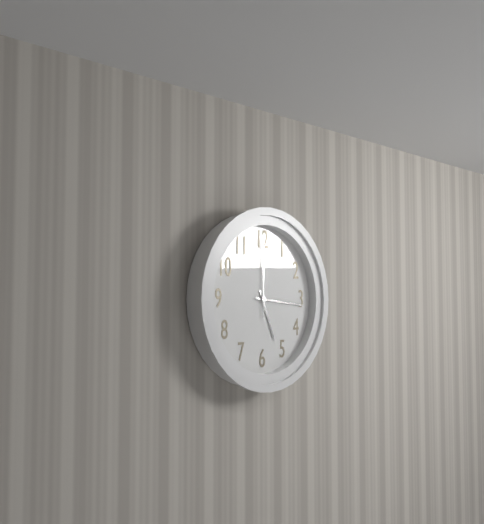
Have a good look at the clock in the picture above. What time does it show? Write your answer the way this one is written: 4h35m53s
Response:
5h16m00s
